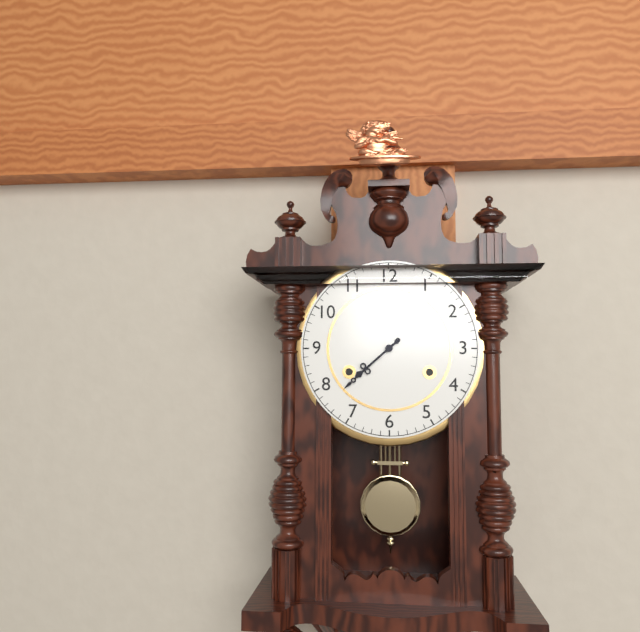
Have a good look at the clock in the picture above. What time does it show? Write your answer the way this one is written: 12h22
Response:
7h38
